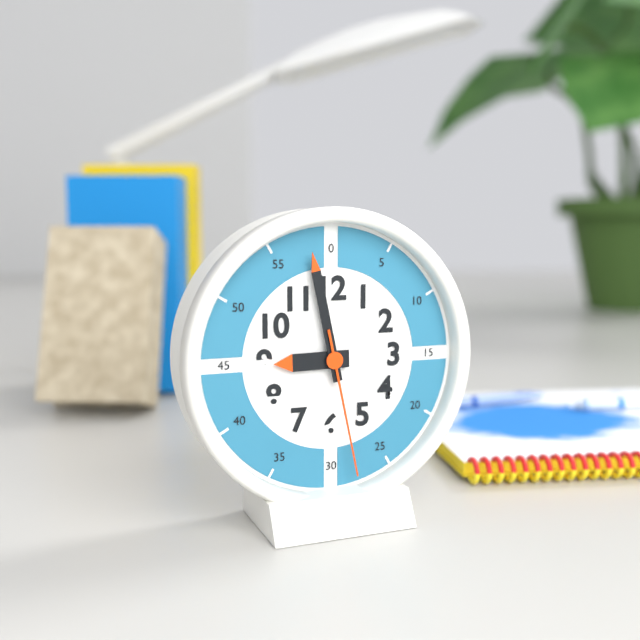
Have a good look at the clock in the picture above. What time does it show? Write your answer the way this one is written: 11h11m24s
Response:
8h58m28s
